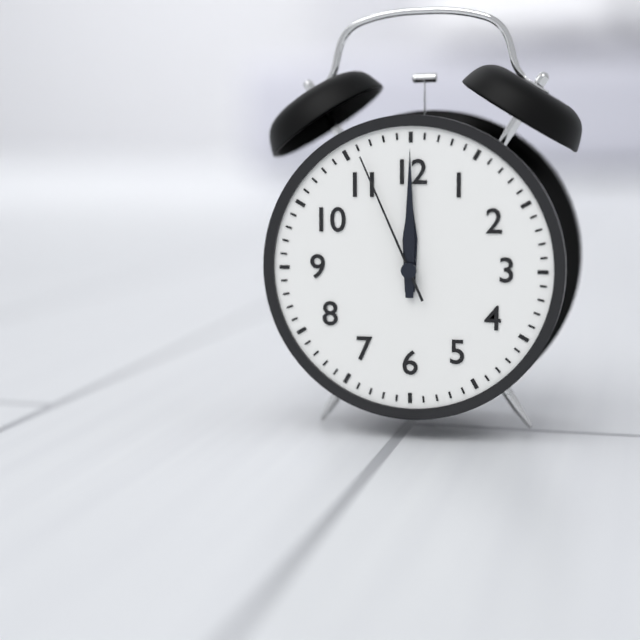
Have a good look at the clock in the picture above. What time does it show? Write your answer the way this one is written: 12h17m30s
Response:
12h00m56s
